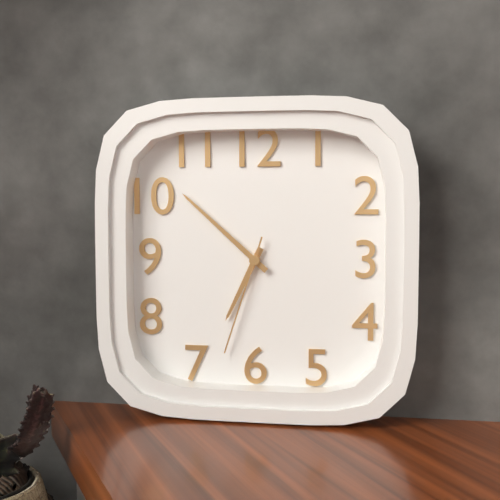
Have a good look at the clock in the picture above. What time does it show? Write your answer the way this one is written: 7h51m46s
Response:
6h52m33s
